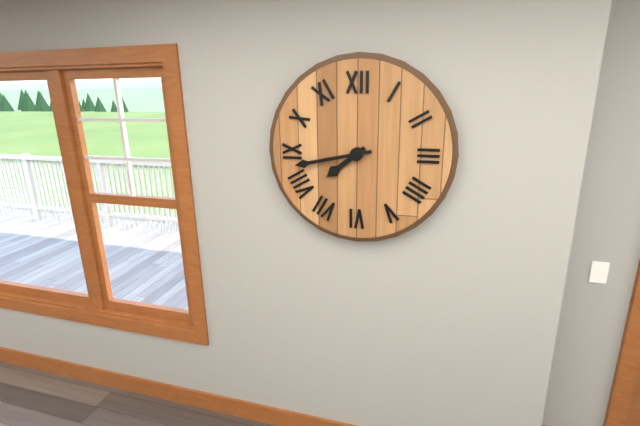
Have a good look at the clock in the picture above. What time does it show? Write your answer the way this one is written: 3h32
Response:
7h43
